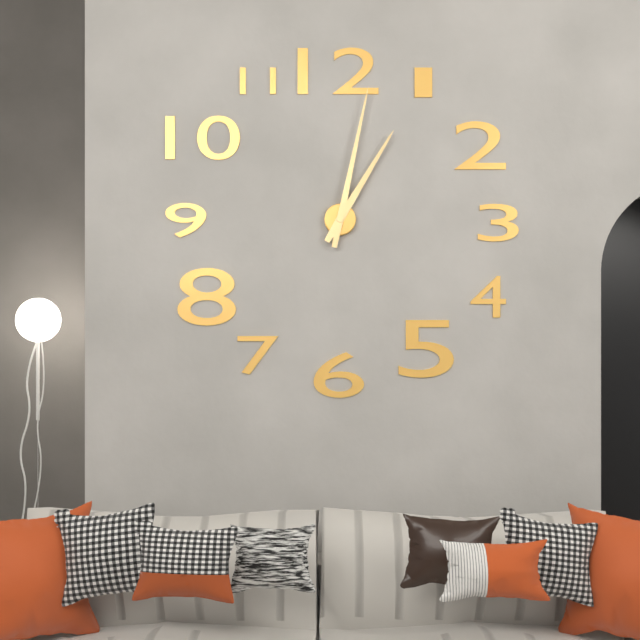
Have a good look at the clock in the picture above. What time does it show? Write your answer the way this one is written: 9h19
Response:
1h02
